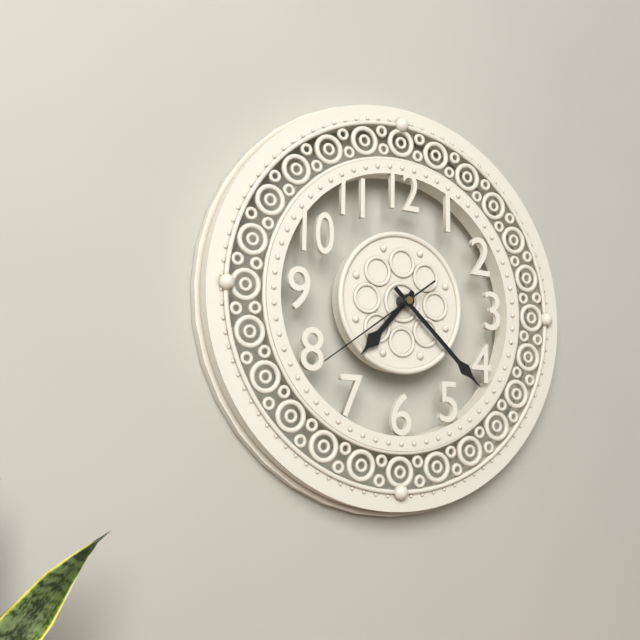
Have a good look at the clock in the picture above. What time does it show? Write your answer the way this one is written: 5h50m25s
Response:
7h22m39s
